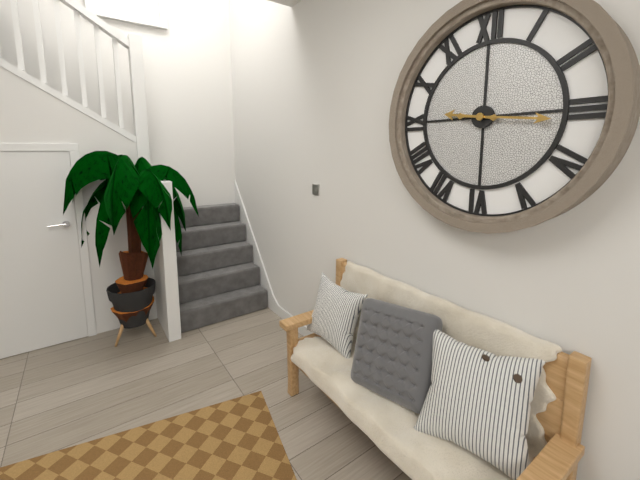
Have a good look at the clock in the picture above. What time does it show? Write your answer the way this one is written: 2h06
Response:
9h16
